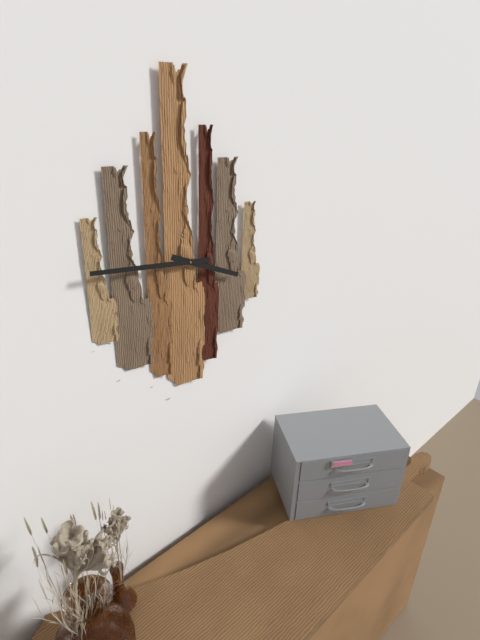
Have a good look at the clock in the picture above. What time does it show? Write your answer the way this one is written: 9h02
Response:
3h46
